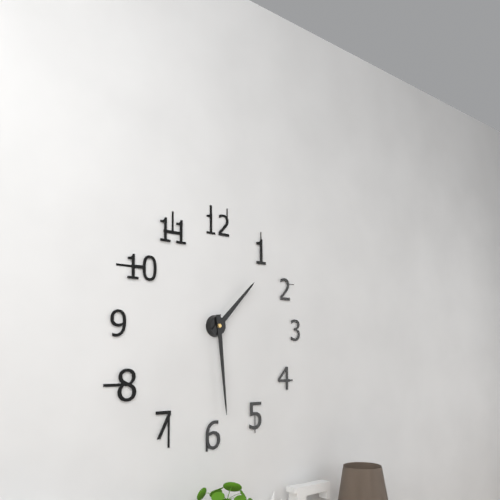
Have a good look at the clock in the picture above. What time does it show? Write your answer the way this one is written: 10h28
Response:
1h29
